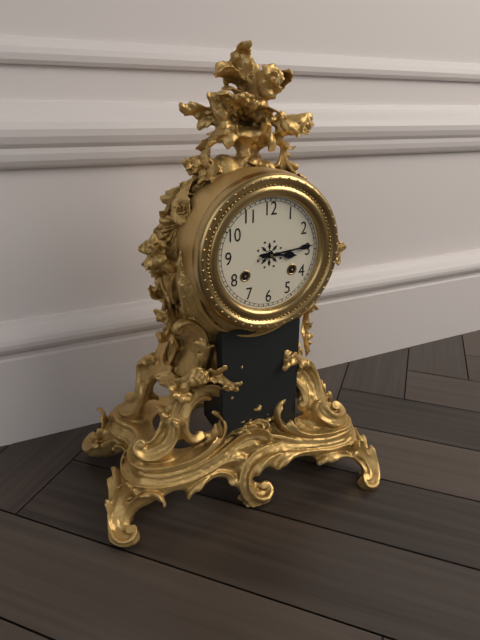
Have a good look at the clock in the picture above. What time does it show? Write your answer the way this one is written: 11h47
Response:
3h14
